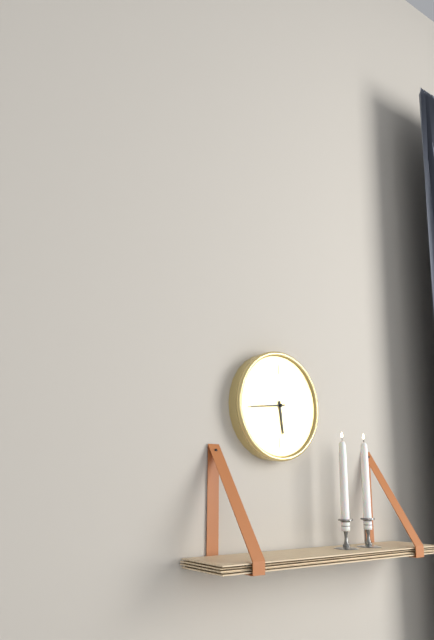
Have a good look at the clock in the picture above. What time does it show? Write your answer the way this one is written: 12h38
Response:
5h44
